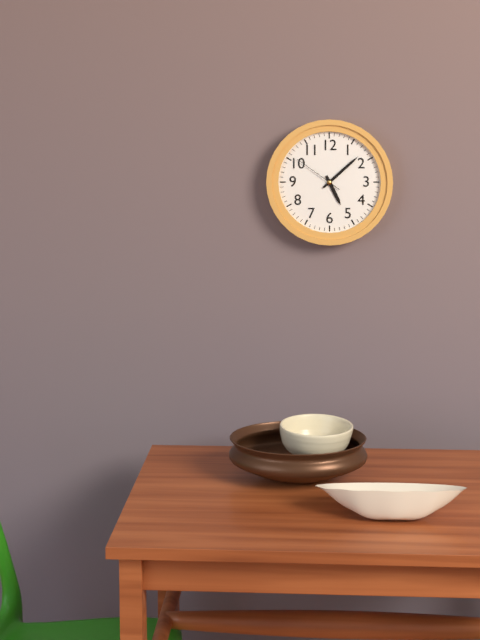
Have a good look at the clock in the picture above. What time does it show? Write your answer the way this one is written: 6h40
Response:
5h08
